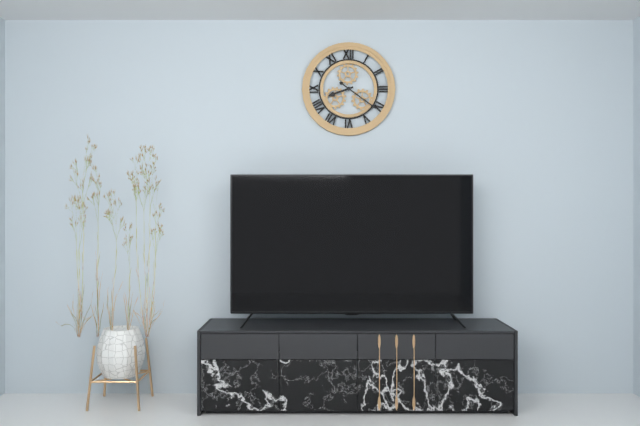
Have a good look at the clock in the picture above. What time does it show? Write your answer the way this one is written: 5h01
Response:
8h21
